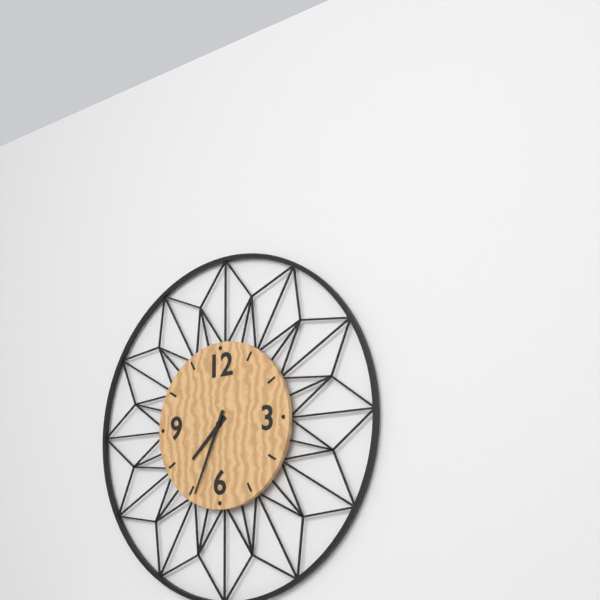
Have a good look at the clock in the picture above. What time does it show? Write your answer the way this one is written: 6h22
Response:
7h34
